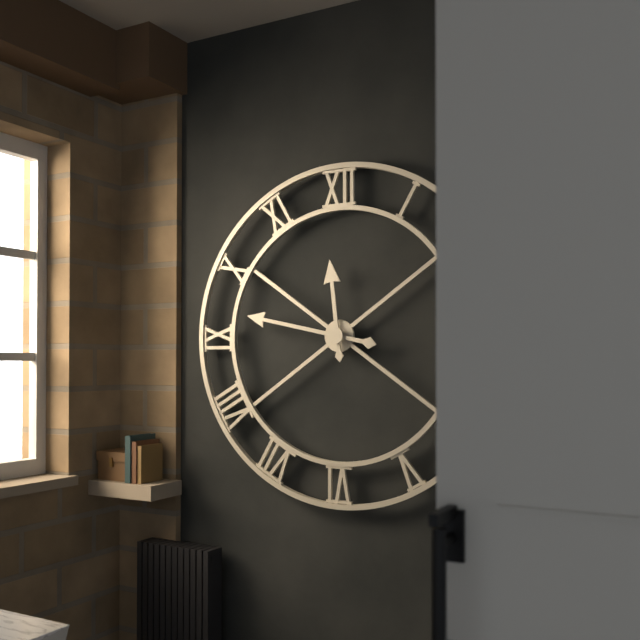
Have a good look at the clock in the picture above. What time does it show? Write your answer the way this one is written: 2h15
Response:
11h47
